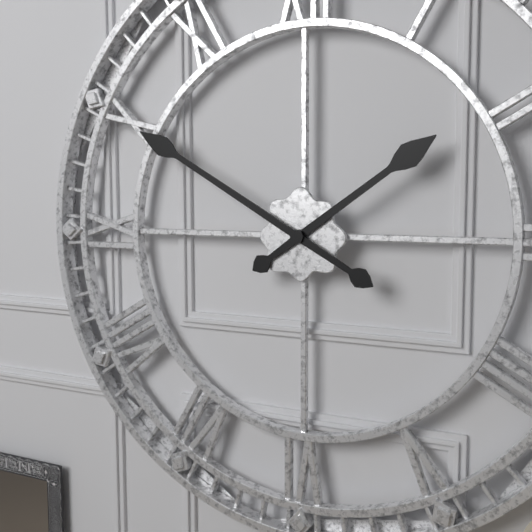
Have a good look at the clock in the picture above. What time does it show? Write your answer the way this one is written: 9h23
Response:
1h50
